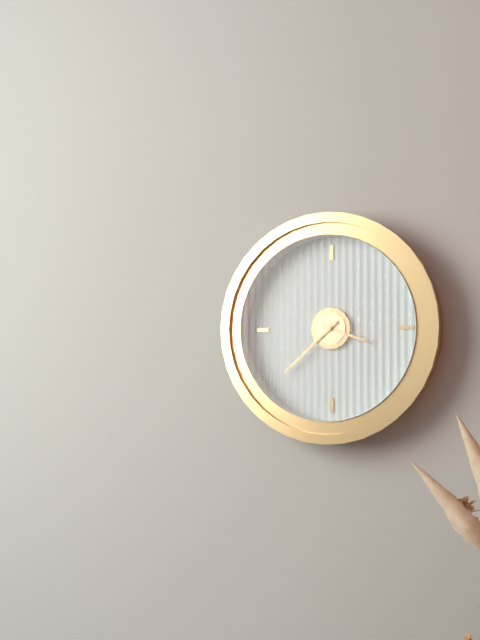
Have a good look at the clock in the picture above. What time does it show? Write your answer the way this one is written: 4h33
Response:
3h38
